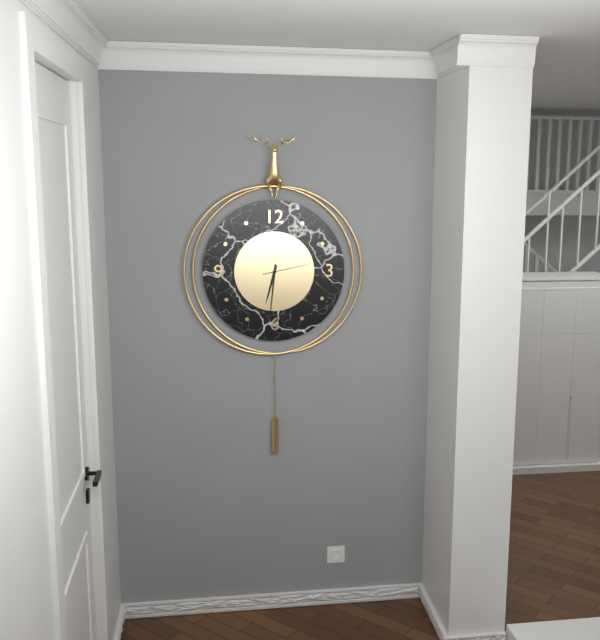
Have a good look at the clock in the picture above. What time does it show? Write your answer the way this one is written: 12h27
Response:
6h31
